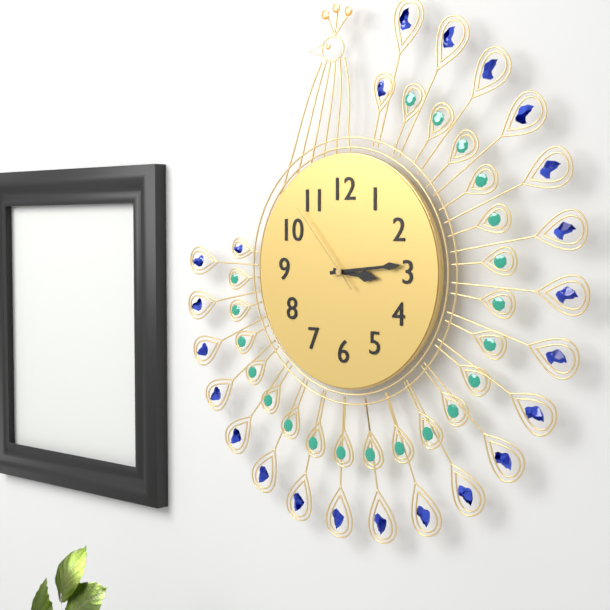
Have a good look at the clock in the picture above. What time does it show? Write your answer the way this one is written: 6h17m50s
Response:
3h14m53s
